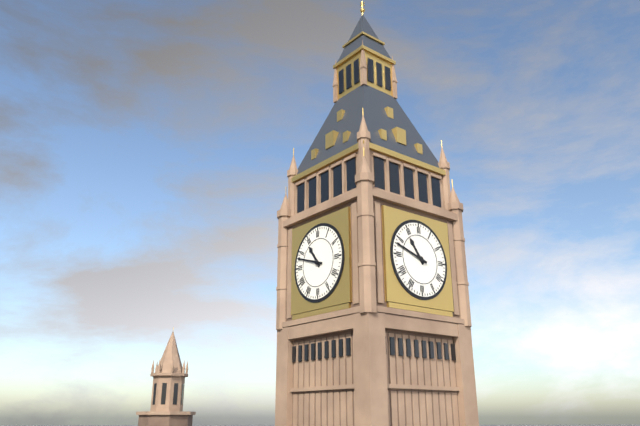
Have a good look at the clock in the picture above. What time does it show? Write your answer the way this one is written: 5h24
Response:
10h48
